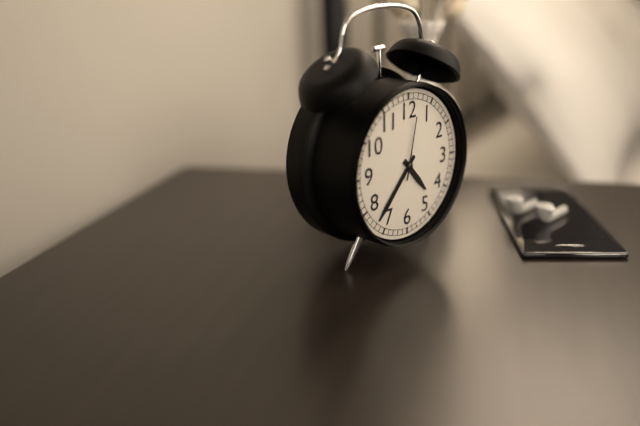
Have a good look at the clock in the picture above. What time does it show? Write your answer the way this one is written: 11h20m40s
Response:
4h37m02s
